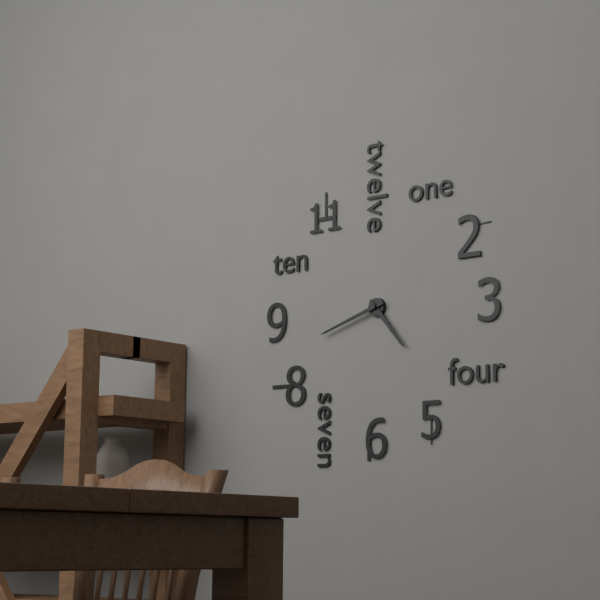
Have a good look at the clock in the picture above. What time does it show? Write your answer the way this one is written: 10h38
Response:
4h42
